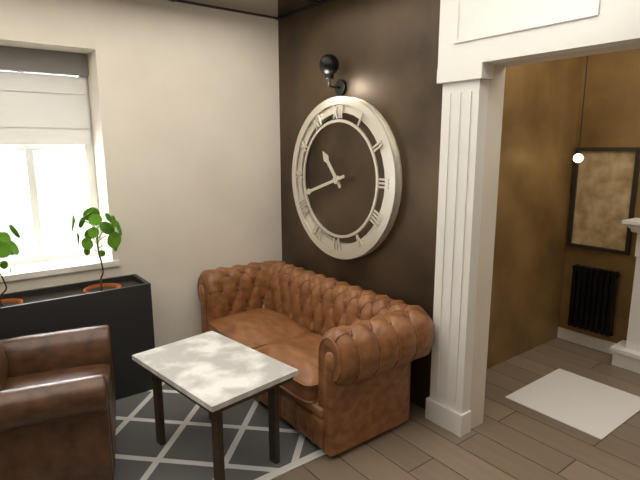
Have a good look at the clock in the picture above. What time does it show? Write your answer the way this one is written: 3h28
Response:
10h42
